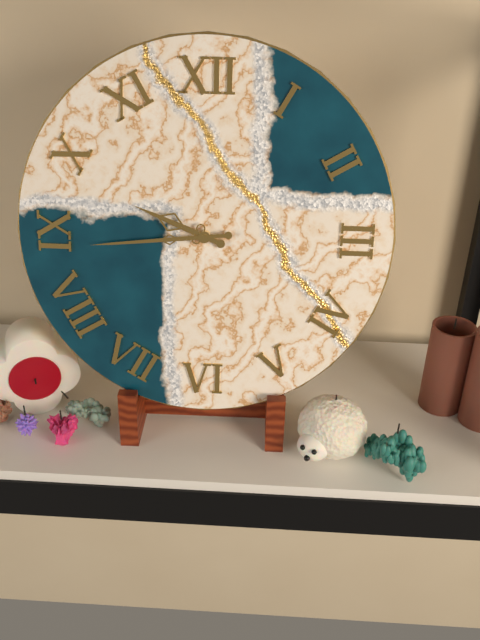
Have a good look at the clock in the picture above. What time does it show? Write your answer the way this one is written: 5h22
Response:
9h44
